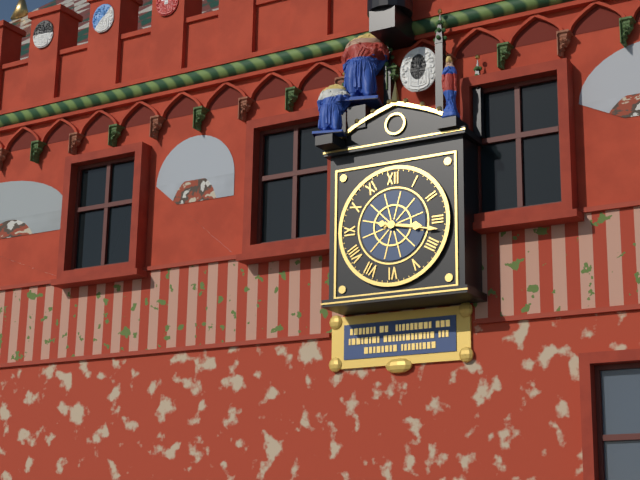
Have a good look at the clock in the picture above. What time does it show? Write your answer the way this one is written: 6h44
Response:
3h17
